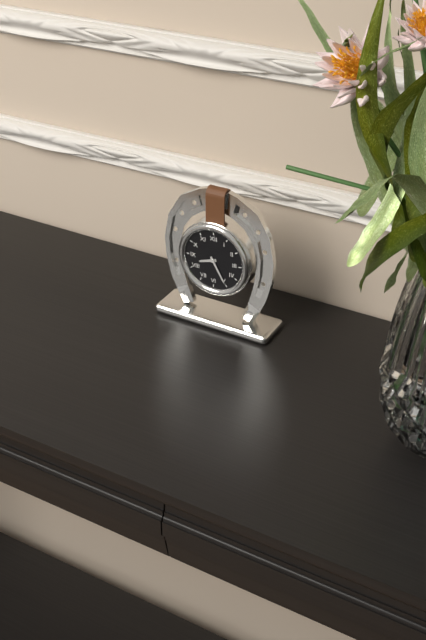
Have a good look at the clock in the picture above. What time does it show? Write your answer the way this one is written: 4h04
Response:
8h25
